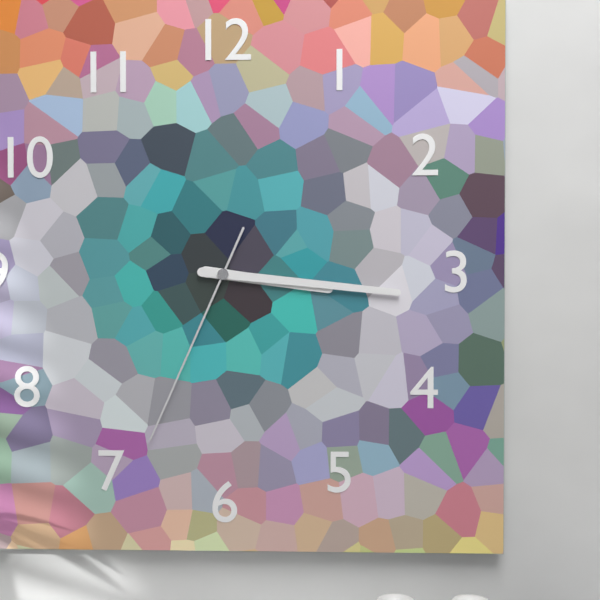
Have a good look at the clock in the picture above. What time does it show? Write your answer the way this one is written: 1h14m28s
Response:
3h16m34s
